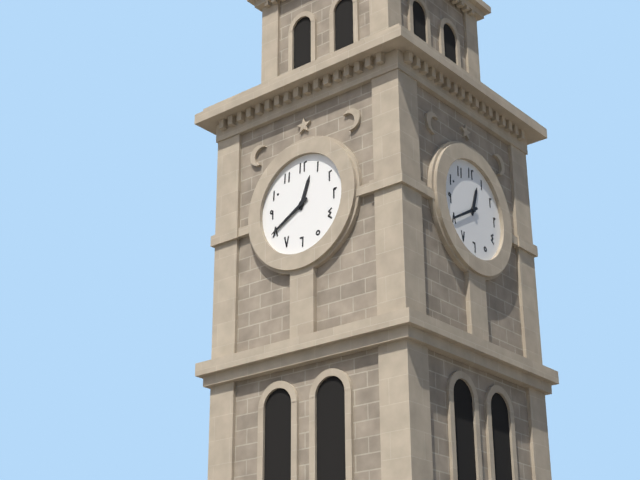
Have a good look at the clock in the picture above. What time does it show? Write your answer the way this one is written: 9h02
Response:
12h40
